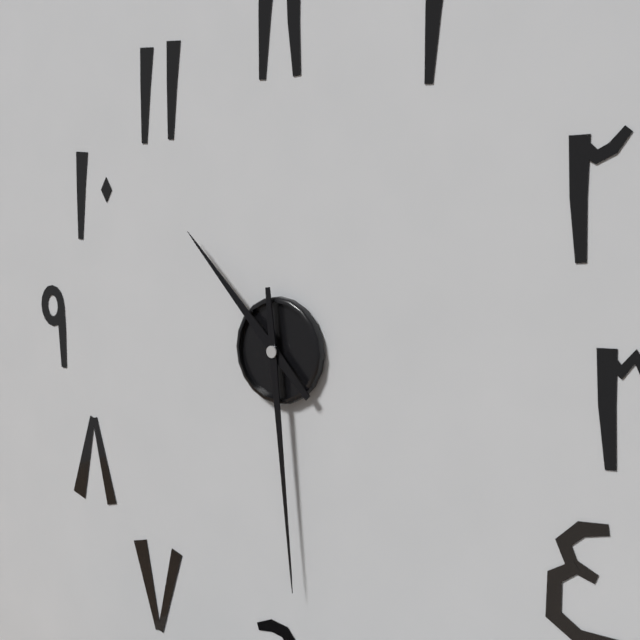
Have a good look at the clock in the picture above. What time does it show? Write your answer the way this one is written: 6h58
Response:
10h29
